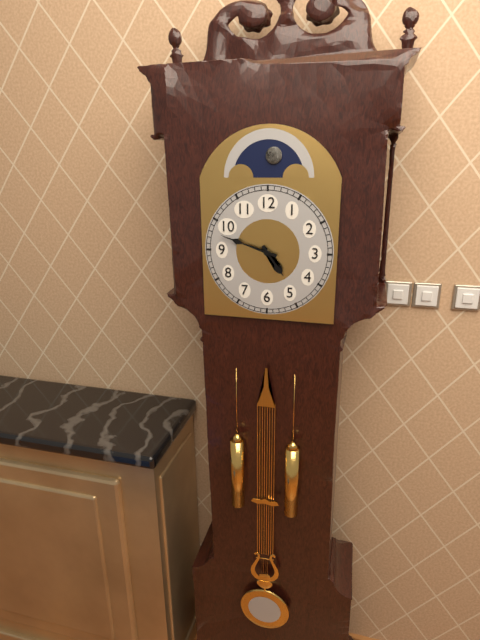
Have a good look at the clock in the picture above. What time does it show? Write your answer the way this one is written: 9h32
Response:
4h48
